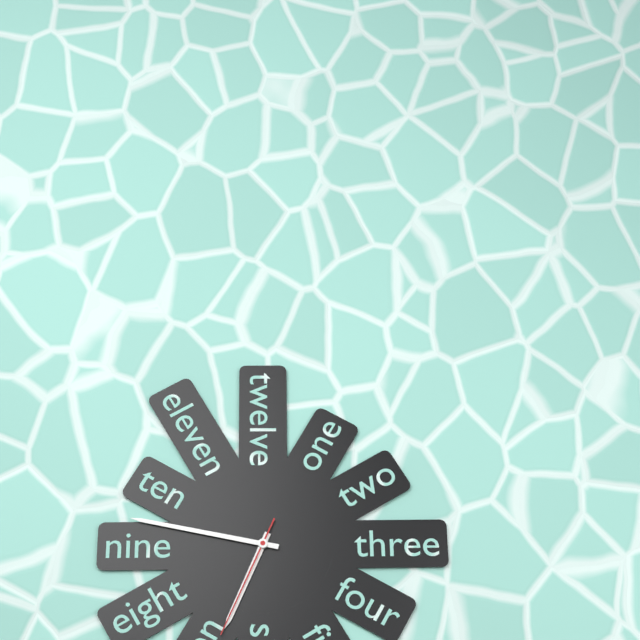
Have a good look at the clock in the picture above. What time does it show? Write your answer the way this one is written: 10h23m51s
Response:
6h47m34s
